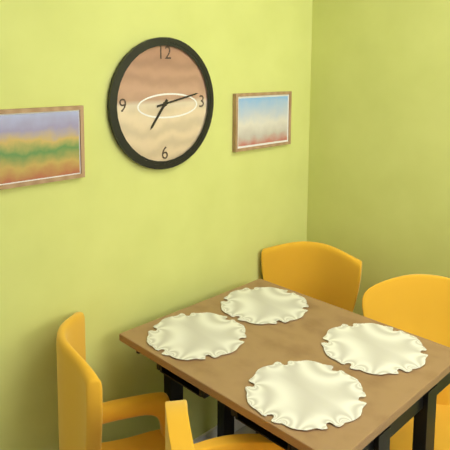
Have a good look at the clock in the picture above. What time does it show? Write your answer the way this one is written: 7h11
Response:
7h13
